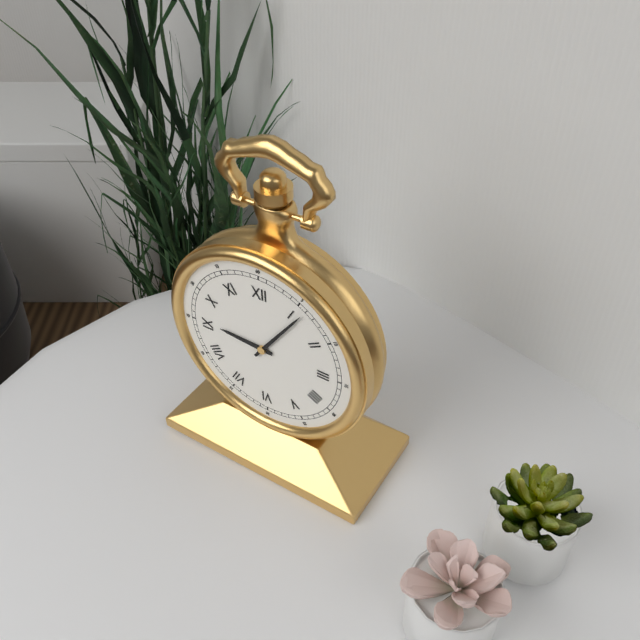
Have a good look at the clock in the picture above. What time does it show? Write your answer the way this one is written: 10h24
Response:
9h06
